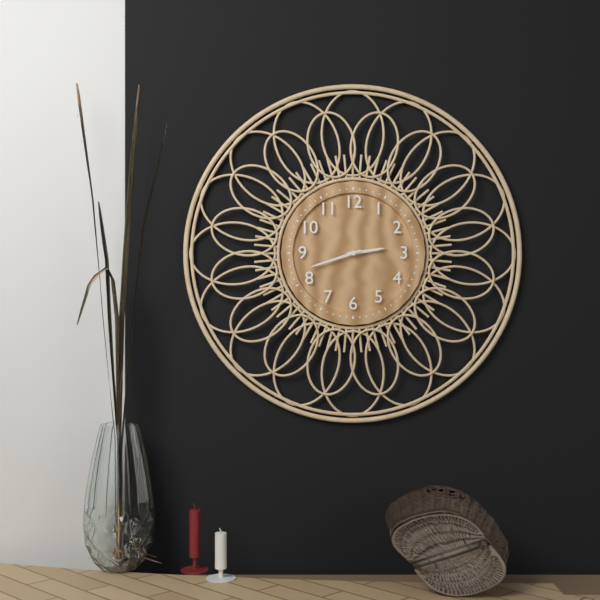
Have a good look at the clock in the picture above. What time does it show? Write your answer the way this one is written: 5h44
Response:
2h42
